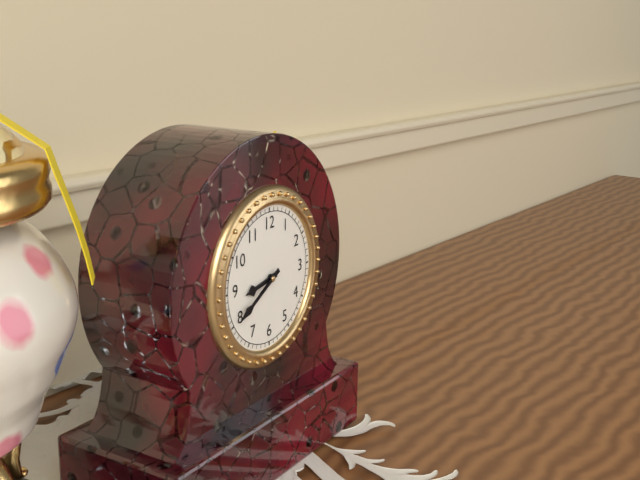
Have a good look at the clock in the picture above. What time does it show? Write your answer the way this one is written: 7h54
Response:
8h40
